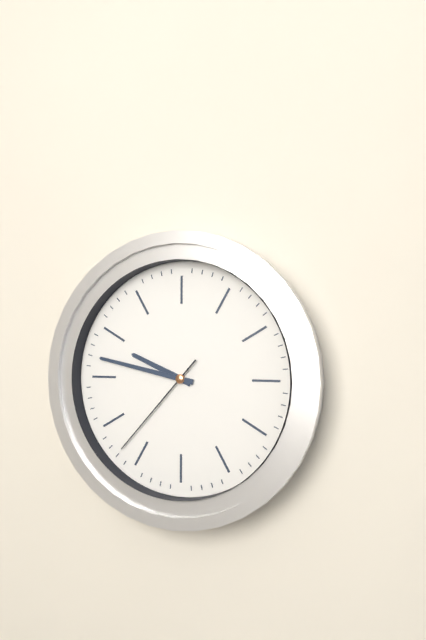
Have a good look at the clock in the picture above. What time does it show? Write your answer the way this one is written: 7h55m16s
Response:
9h47m37s
